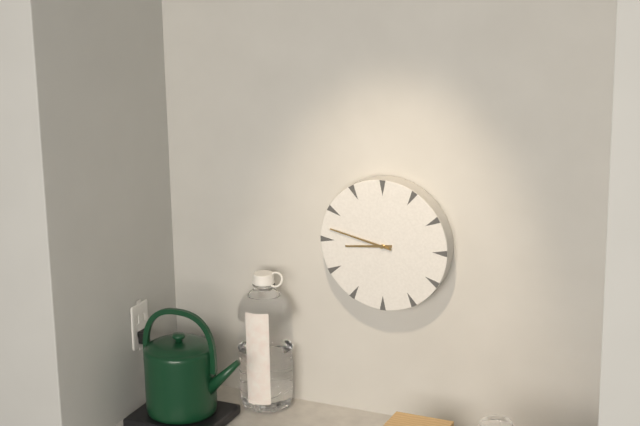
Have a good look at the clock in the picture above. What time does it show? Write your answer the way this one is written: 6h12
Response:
8h47
